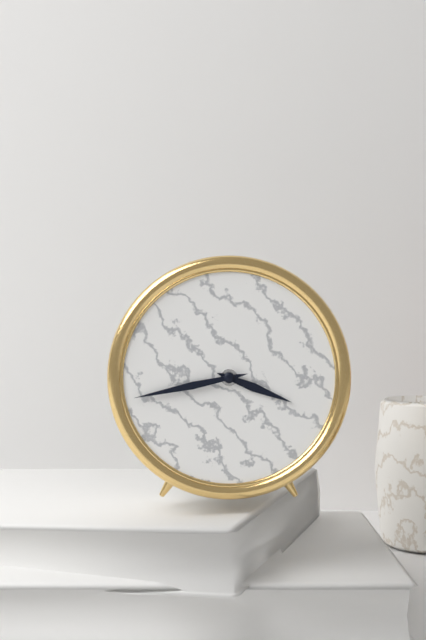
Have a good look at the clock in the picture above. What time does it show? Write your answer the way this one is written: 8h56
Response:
3h43
